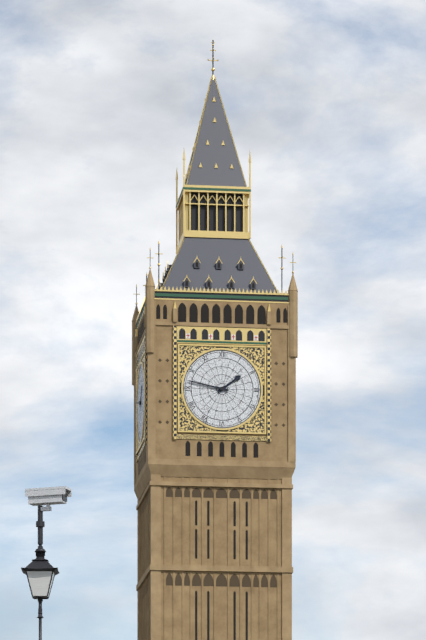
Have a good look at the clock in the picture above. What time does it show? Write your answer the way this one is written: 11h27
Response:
1h47
